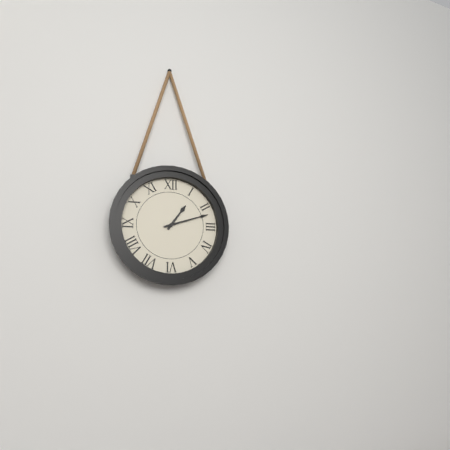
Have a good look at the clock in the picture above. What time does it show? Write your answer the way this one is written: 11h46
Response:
1h12
